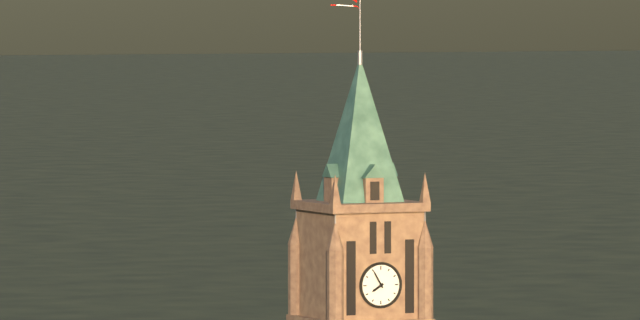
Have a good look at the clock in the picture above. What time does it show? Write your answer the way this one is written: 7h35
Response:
7h55
